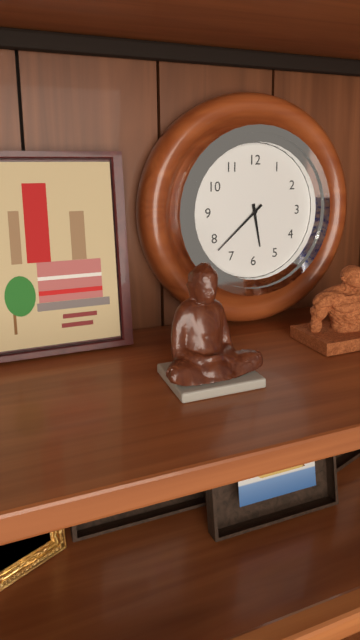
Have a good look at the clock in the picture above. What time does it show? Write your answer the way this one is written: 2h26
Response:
5h38
